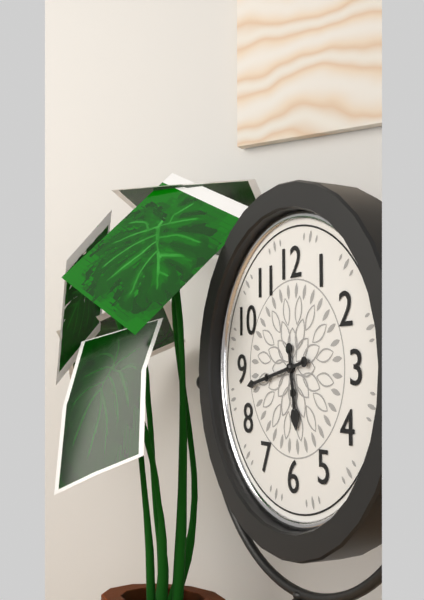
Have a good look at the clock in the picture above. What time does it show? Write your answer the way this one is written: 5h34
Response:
5h43
